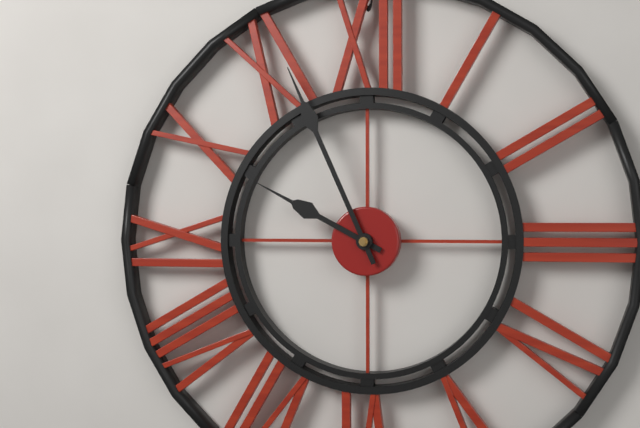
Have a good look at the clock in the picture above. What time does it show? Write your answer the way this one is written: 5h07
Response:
9h56
